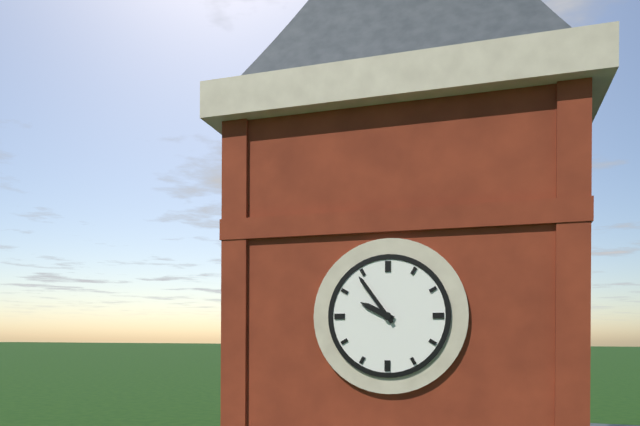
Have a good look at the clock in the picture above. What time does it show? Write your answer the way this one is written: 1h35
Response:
9h54
